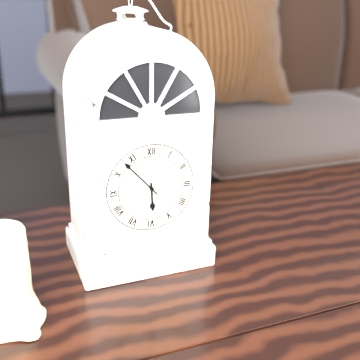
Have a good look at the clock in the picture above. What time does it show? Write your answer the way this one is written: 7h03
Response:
5h53
